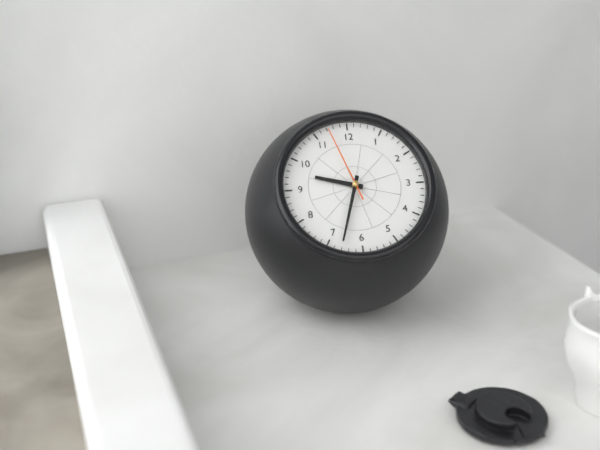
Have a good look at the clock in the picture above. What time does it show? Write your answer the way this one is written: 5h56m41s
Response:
9h33m57s
